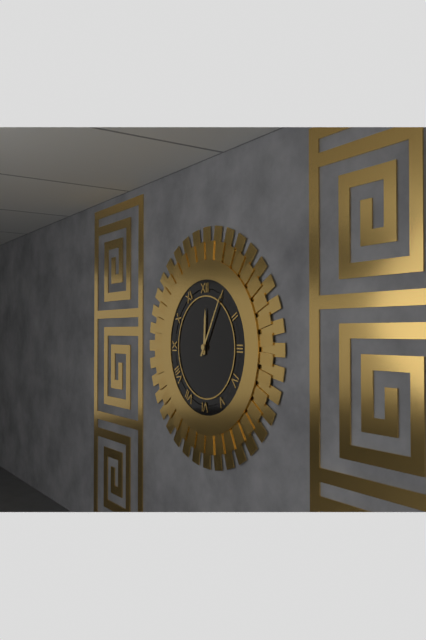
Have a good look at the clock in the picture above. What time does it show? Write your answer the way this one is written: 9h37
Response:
12h05
